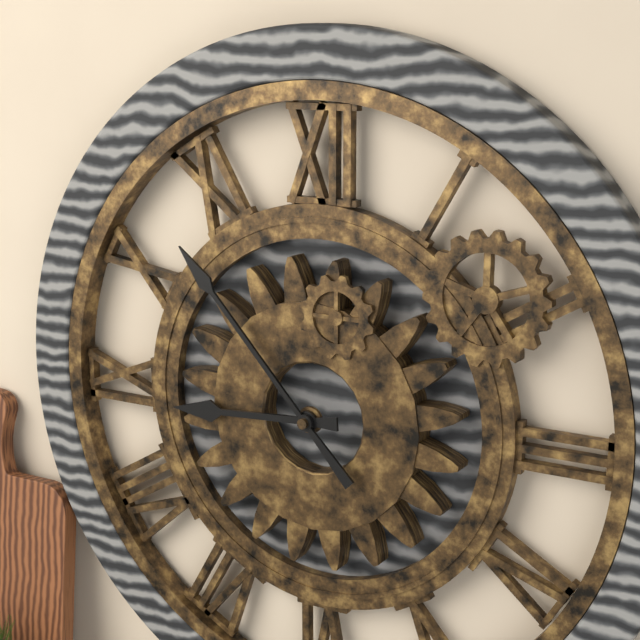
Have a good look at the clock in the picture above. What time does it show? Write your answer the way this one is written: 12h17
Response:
8h53
